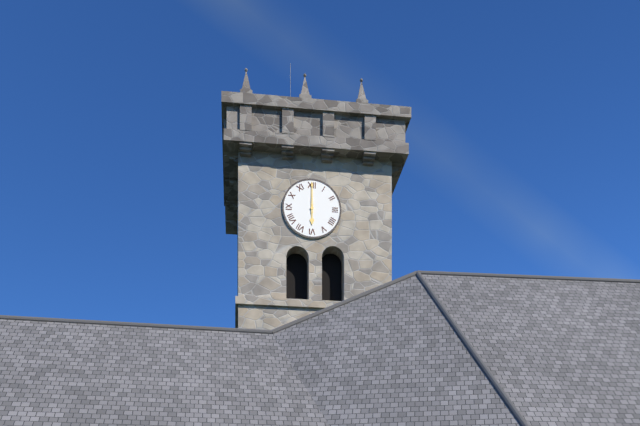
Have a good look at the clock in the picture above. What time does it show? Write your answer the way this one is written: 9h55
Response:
6h00
